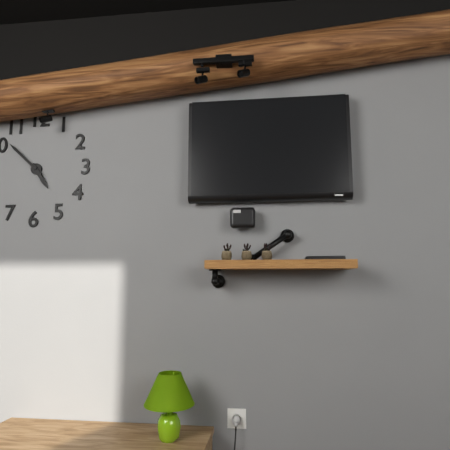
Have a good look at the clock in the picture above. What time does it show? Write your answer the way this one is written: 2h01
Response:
4h52
